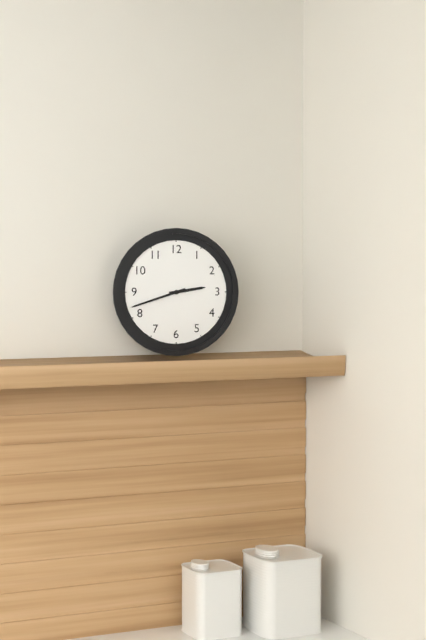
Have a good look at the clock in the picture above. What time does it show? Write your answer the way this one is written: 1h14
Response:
2h42
